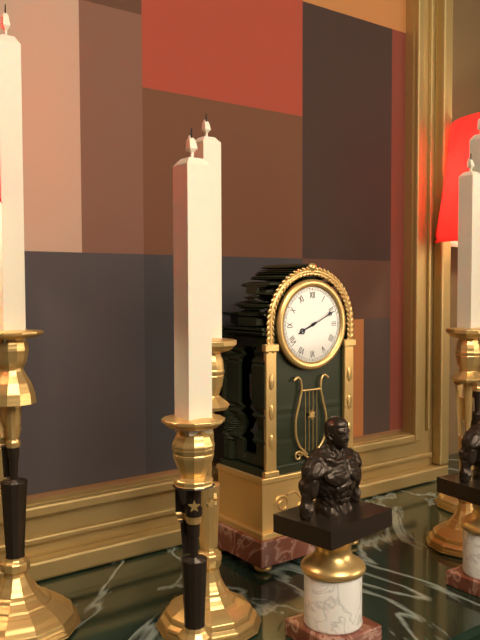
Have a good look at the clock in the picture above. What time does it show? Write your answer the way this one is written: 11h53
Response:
8h11
